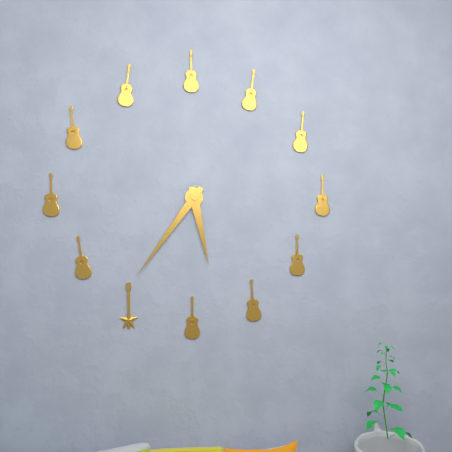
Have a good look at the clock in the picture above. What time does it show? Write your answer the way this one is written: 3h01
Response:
5h36
